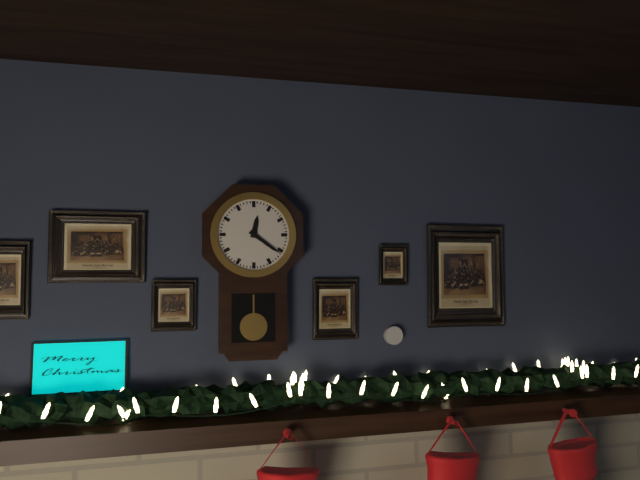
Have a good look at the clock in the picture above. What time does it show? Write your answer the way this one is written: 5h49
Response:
12h21
